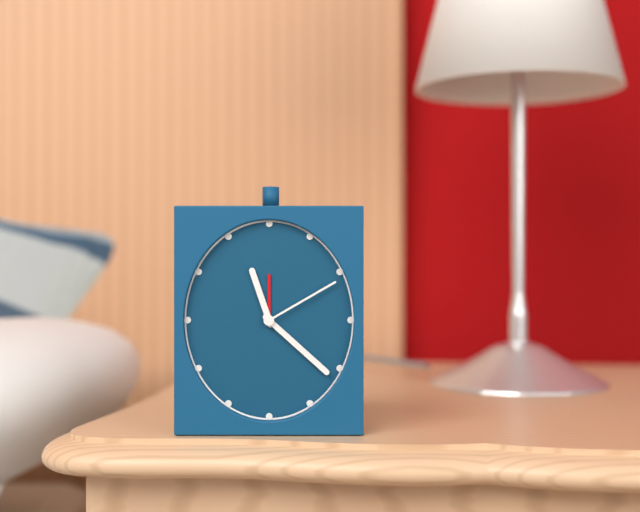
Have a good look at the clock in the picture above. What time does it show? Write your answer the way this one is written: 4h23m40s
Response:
11h22m10s
